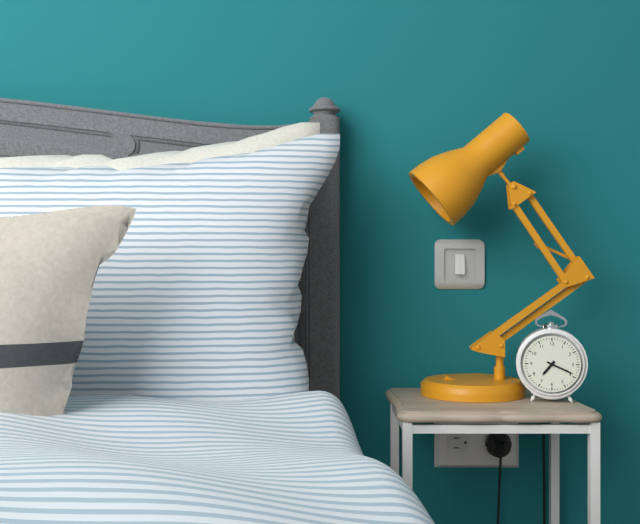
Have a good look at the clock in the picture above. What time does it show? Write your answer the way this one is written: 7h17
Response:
7h19
